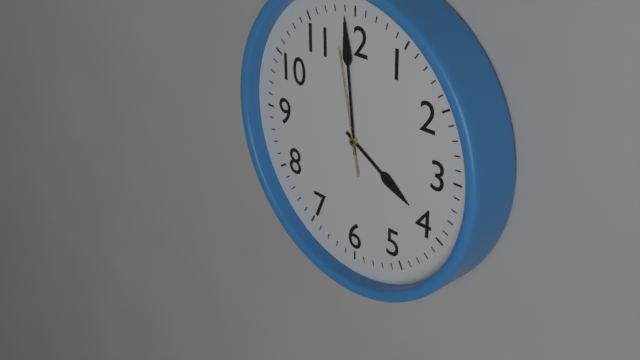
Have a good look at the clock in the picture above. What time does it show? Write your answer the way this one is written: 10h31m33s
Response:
3h59m58s
